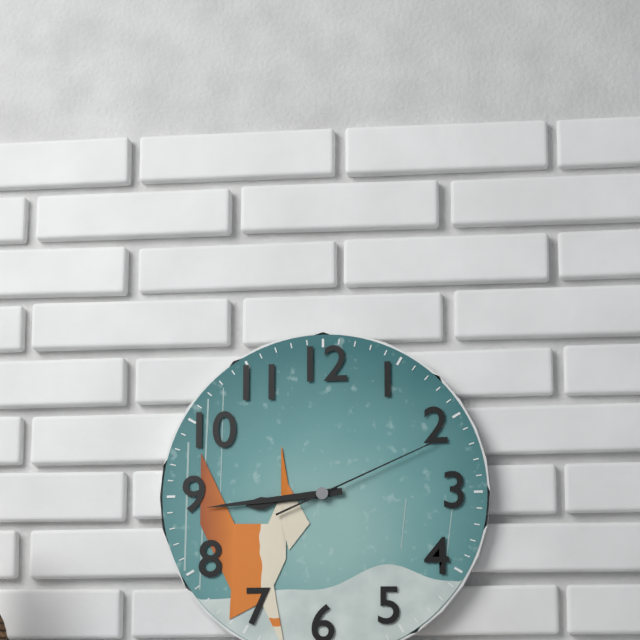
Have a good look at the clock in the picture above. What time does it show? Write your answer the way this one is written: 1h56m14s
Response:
8h44m11s
